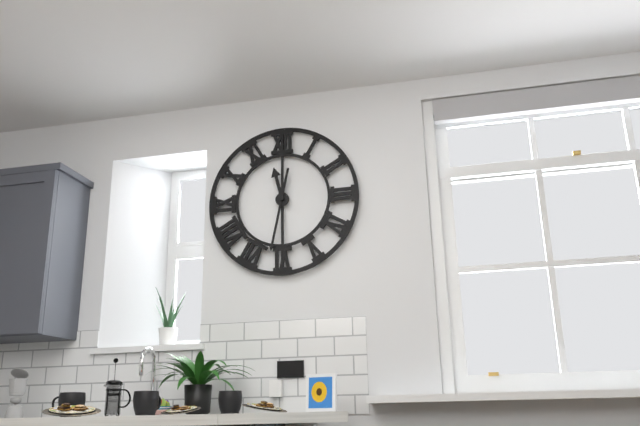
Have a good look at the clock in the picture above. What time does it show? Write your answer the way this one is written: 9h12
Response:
11h32
